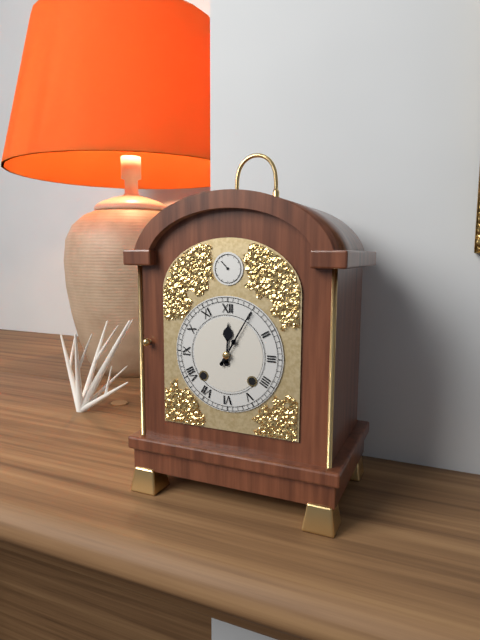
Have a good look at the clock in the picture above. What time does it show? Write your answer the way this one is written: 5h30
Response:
12h05
